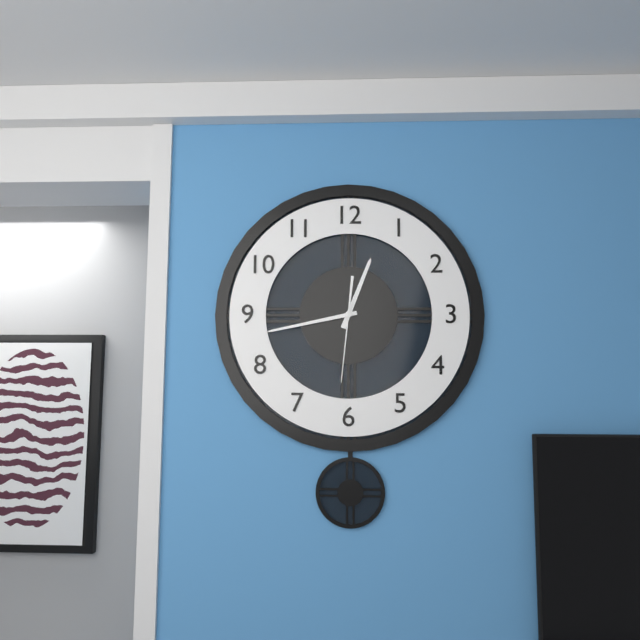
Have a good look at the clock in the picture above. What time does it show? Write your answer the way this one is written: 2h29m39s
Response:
12h43m31s
